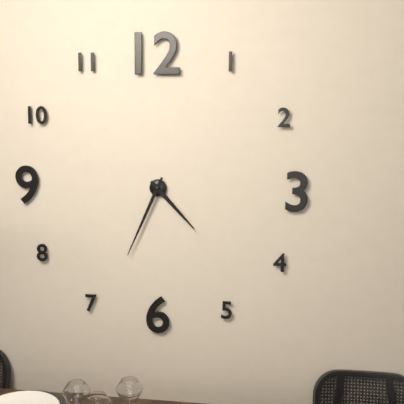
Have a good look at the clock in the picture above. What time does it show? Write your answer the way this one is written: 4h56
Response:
4h34
